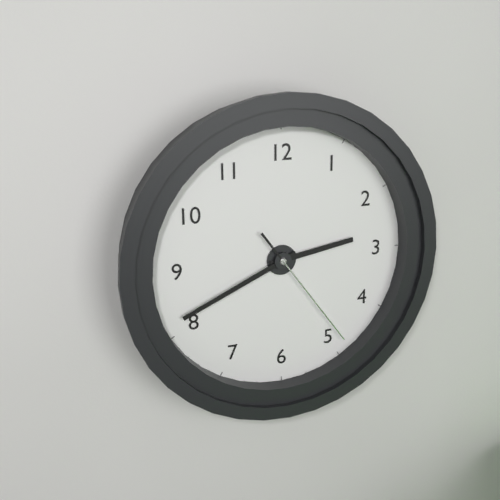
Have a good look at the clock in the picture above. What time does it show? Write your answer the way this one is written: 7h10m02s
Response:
2h41m24s
